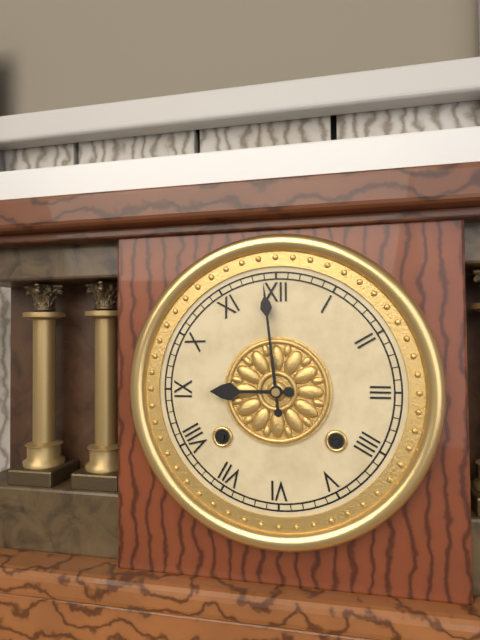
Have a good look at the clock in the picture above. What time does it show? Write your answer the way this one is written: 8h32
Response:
8h59
